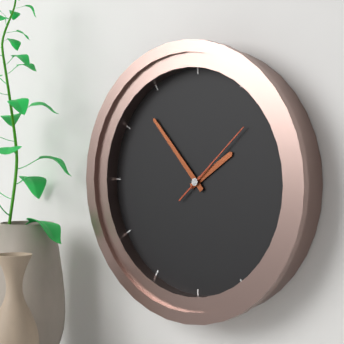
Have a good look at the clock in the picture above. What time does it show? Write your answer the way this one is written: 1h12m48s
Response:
1h53m08s
